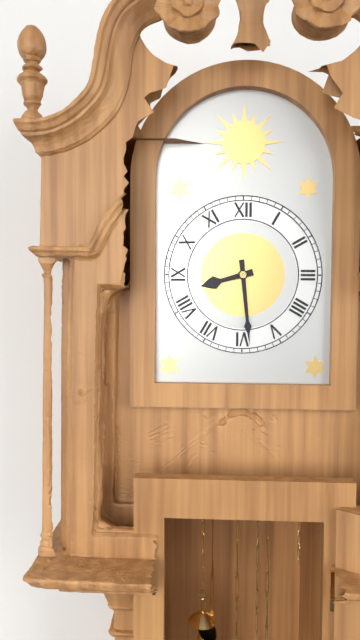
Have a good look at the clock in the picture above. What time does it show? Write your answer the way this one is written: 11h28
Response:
8h29
